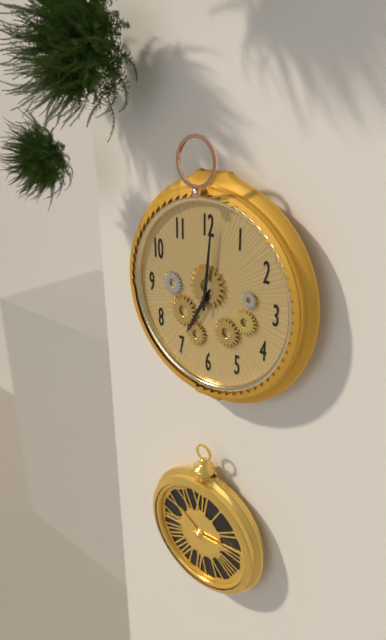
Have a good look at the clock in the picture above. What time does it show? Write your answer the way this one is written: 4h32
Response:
7h01
